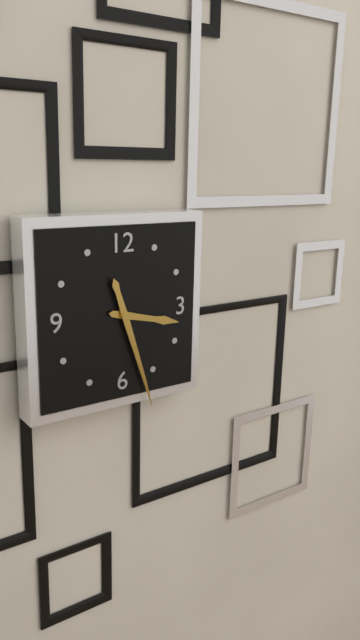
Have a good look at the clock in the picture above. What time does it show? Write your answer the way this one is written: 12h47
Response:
3h27
